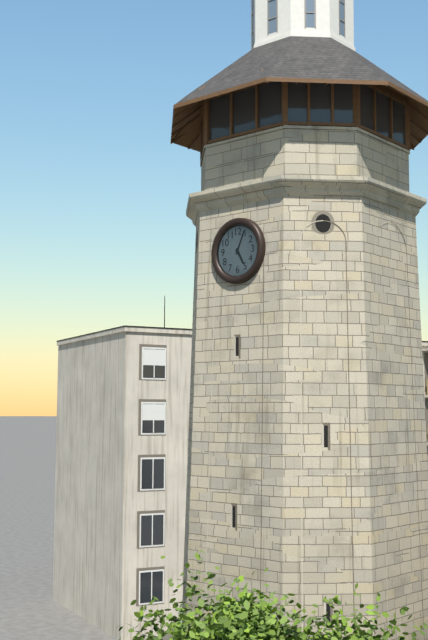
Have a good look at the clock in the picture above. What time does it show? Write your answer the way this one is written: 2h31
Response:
5h04
